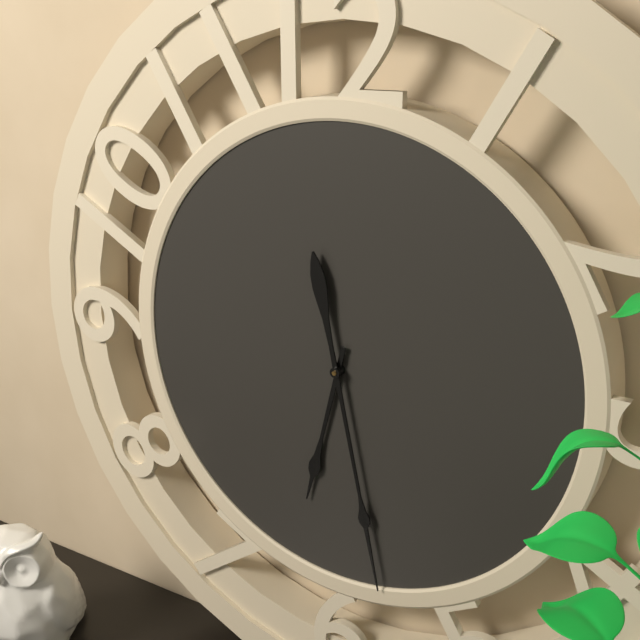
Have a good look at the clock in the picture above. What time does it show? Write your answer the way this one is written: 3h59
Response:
6h28
